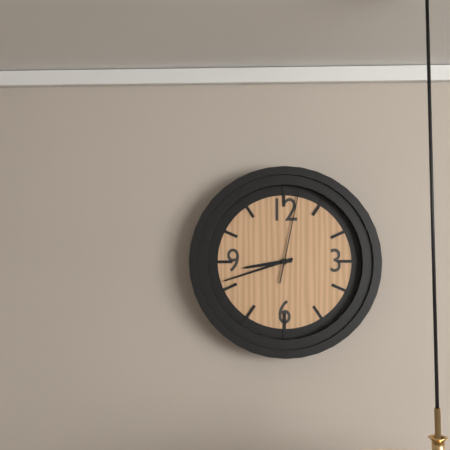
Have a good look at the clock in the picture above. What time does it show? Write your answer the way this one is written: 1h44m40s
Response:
8h42m02s
